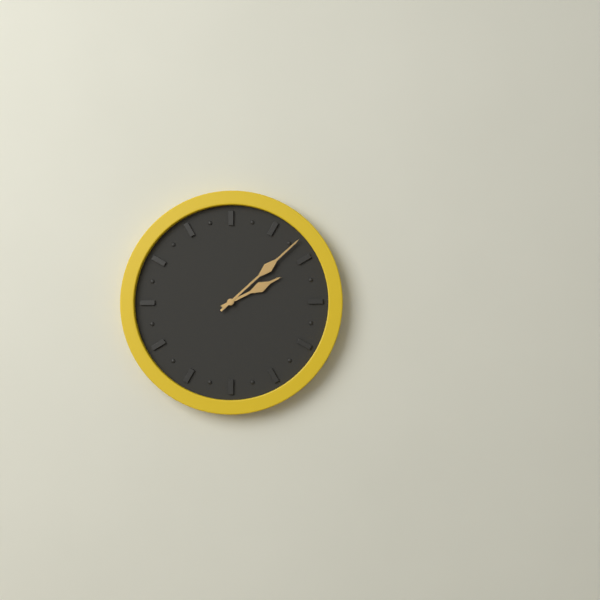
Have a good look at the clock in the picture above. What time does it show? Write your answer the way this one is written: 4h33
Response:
2h08
